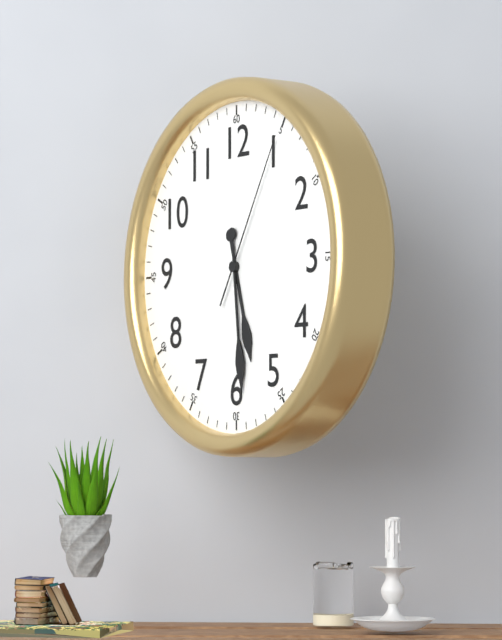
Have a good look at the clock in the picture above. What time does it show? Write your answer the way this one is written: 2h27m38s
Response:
5h29m05s
